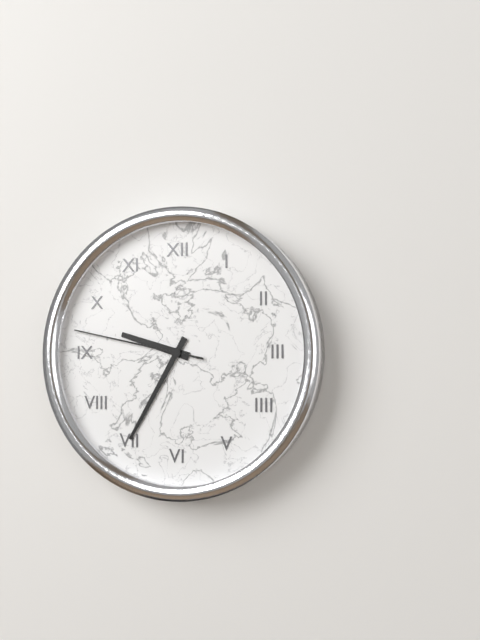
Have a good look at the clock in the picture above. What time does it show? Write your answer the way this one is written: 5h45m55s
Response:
9h35m47s
